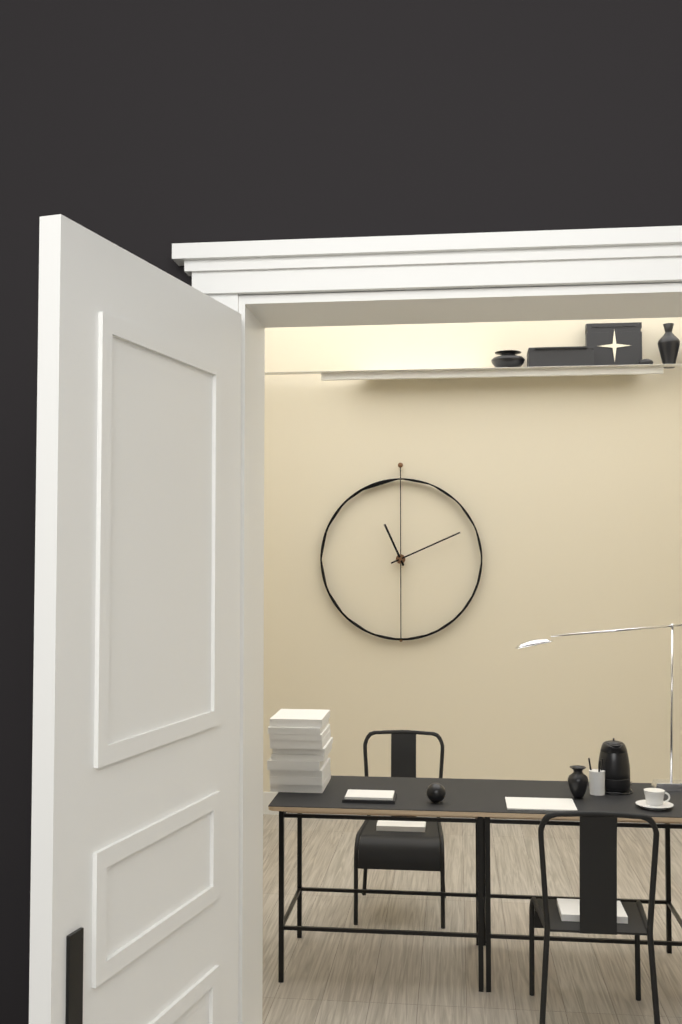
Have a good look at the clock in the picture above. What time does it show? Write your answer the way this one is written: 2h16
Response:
11h11
